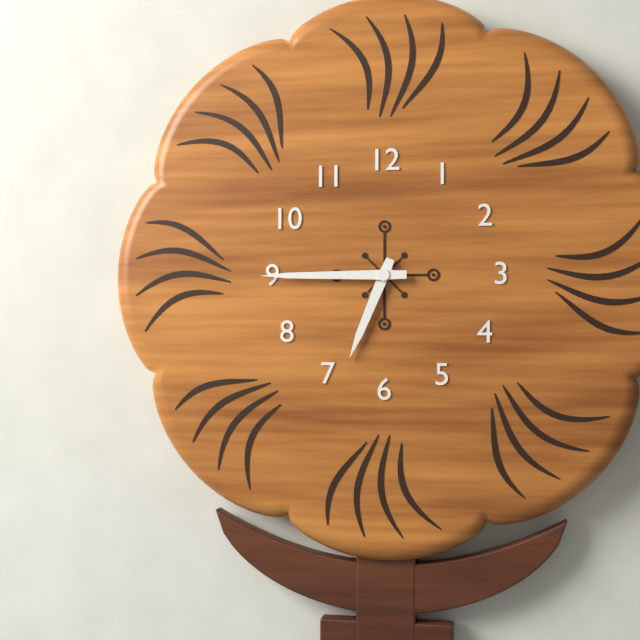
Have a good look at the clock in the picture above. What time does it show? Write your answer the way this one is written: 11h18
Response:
6h45
